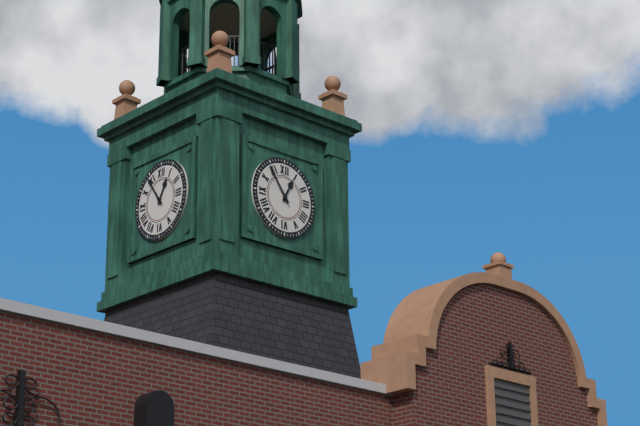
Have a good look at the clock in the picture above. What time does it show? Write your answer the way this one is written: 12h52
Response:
12h54
